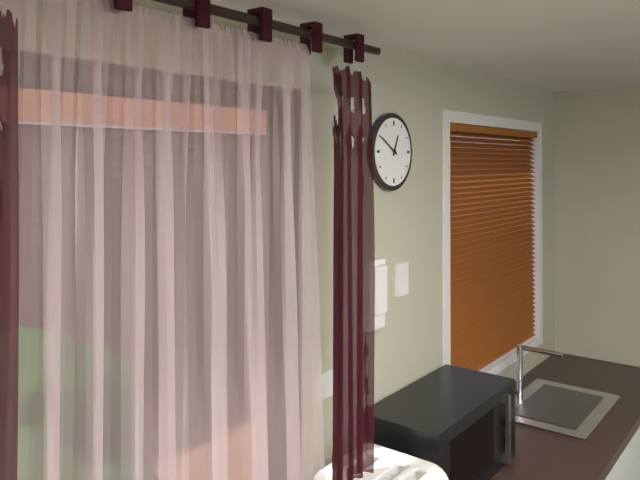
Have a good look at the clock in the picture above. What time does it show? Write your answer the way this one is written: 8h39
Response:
12h50
